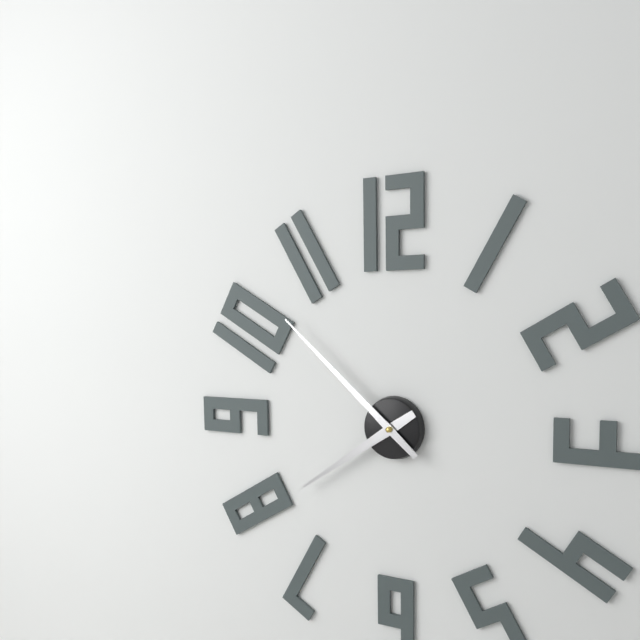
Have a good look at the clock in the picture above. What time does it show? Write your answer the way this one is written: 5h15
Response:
7h52
